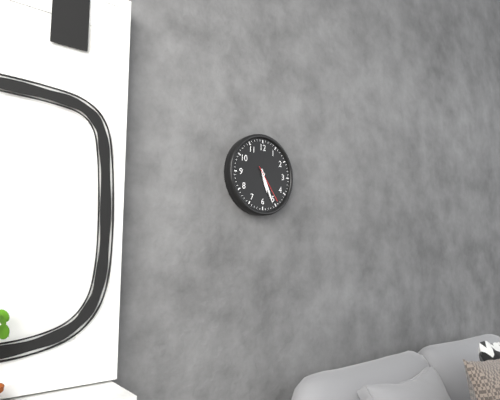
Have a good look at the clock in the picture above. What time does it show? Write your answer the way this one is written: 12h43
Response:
5h26
